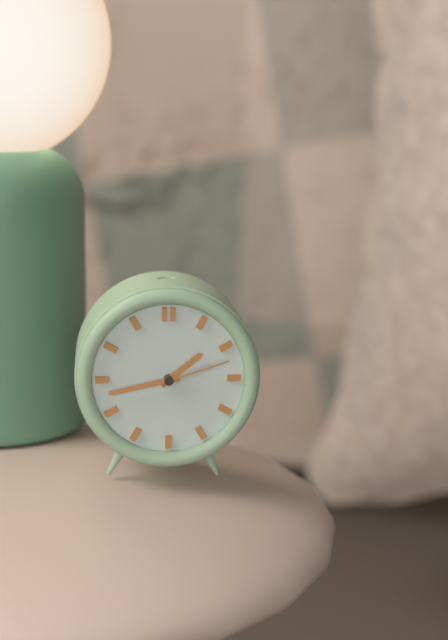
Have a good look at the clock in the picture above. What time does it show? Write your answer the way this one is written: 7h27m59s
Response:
1h43m12s
